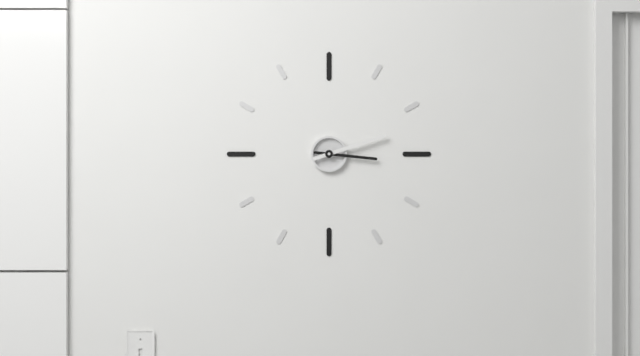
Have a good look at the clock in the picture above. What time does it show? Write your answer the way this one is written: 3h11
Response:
3h12
